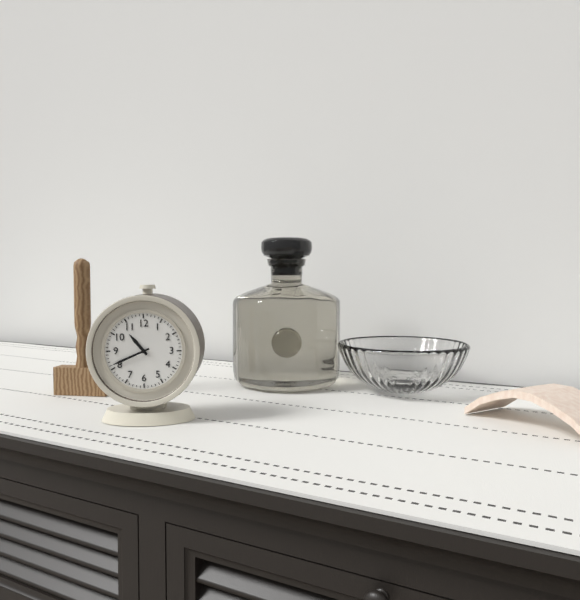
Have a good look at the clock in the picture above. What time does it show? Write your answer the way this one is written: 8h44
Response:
10h41
